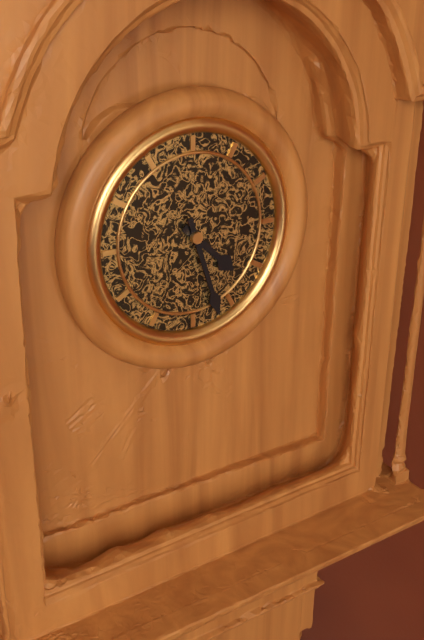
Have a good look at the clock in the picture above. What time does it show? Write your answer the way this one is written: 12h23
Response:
4h27
